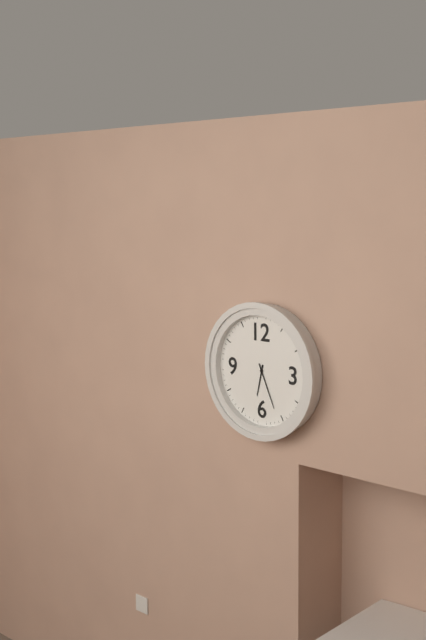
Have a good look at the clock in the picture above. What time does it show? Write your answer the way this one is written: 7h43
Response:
6h26
